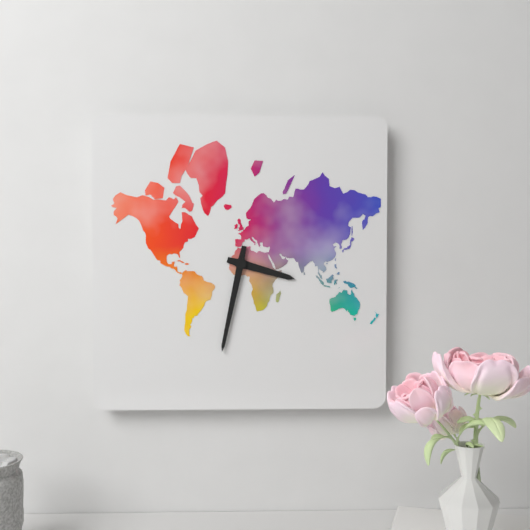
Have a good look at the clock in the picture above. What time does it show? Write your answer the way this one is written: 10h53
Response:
3h32
